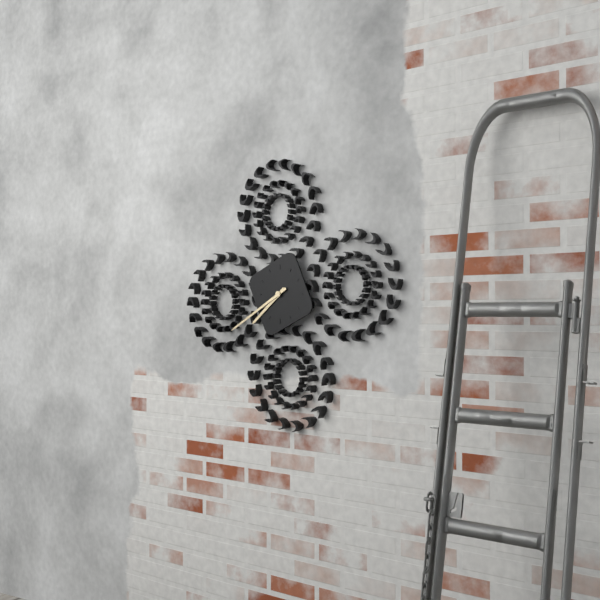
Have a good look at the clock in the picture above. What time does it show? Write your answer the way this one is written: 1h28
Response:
7h40
